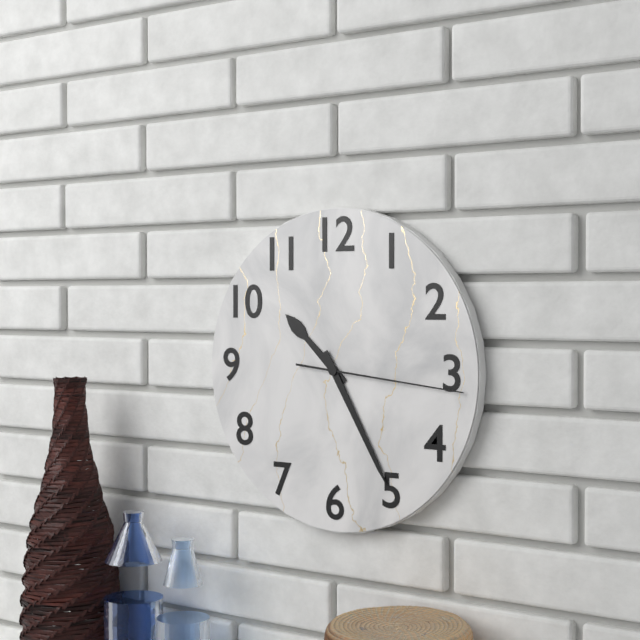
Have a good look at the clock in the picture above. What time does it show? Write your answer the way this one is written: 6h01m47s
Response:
10h25m16s
